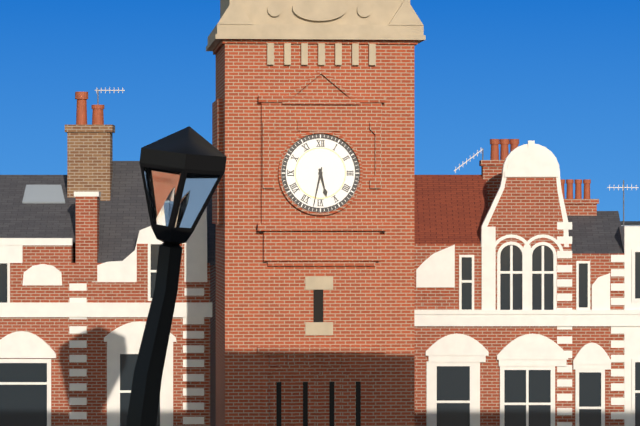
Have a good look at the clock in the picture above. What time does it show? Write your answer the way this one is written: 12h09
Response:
5h32
